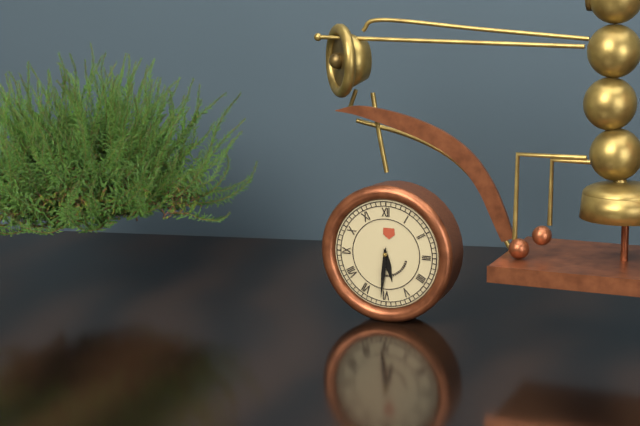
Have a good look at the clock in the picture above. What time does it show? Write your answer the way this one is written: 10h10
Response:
5h31
